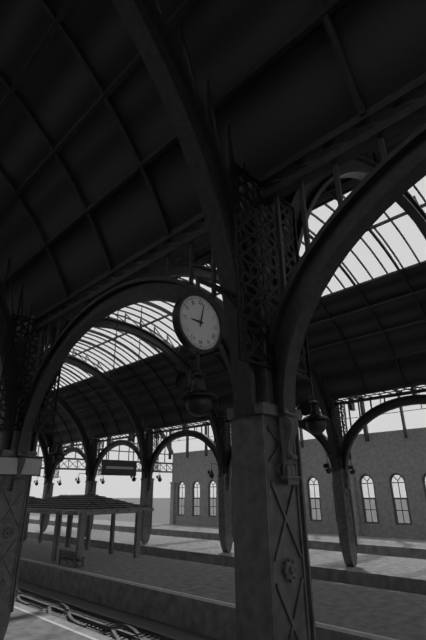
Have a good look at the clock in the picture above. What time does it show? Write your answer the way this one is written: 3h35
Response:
9h02
